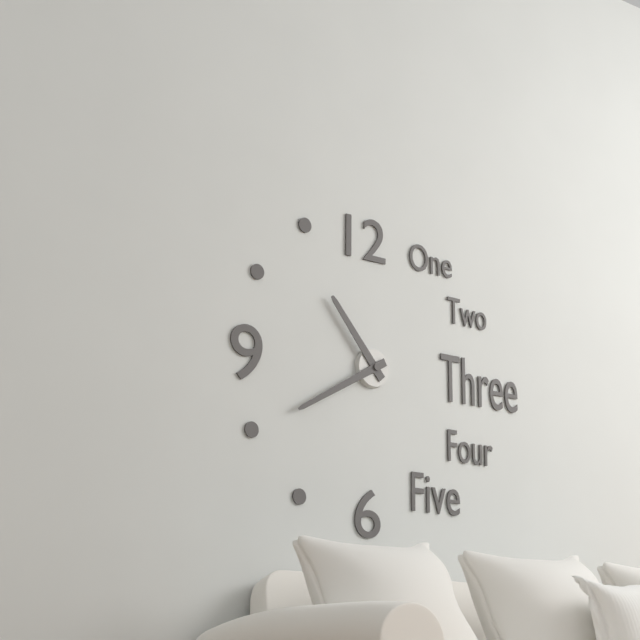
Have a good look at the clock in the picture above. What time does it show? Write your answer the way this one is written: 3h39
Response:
10h40
